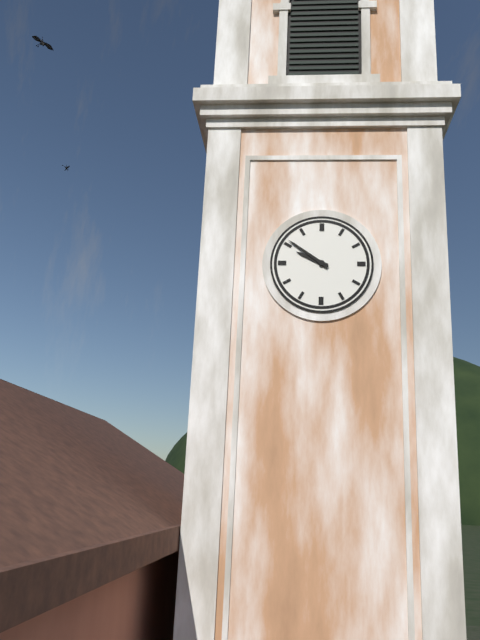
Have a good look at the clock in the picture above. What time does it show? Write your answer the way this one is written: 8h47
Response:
9h51
